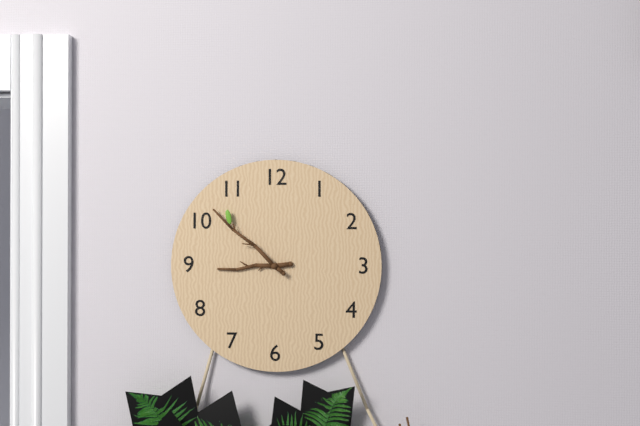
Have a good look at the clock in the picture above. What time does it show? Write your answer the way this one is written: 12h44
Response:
8h52
